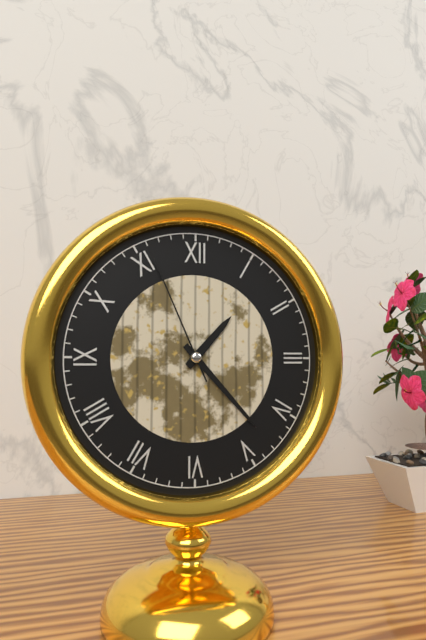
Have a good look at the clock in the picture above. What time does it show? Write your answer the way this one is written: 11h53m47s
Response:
1h23m56s
